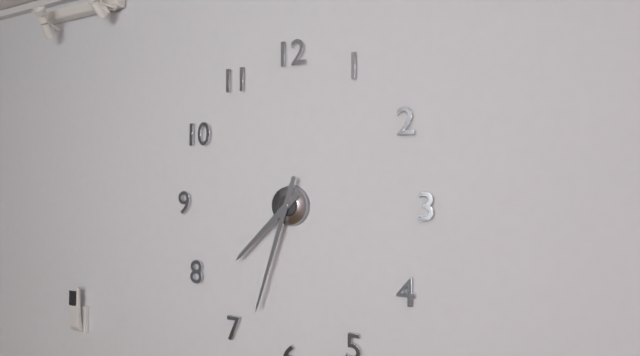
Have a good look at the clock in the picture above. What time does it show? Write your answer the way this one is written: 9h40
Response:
7h33
